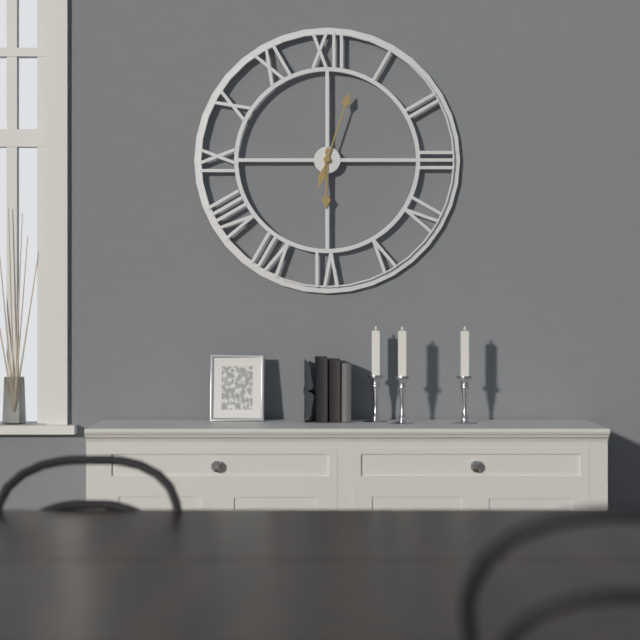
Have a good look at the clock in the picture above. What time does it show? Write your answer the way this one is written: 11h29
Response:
6h03
